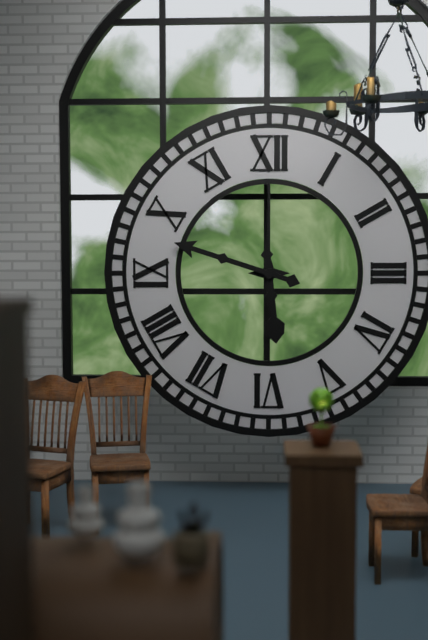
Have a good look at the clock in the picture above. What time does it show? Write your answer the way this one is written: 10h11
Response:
5h48
